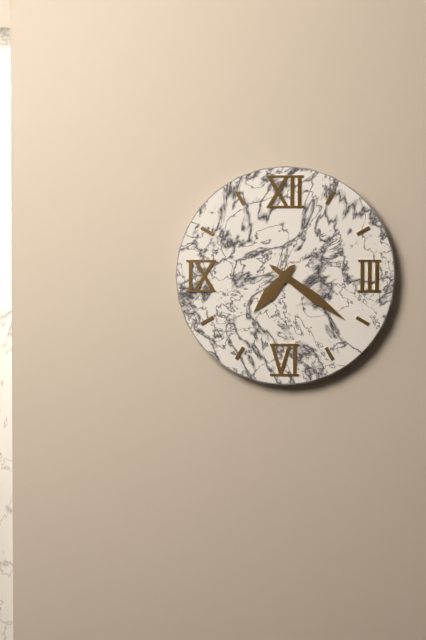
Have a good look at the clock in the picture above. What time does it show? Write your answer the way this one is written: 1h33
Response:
7h21
